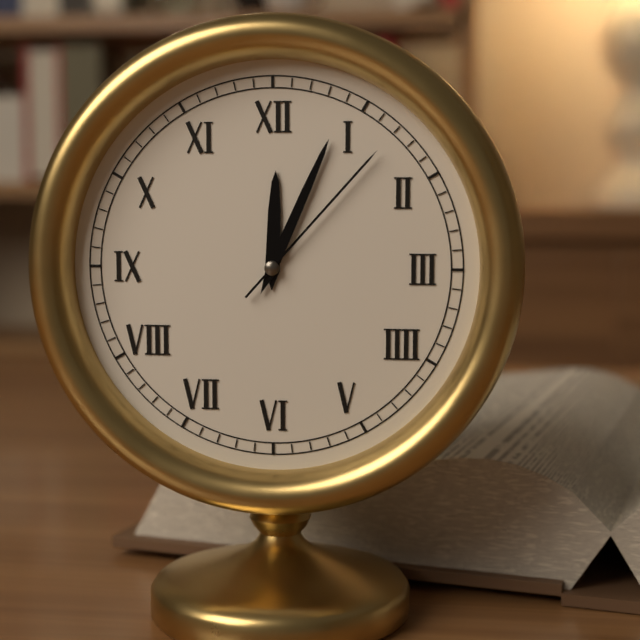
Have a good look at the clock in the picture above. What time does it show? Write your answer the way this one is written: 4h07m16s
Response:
12h04m07s
